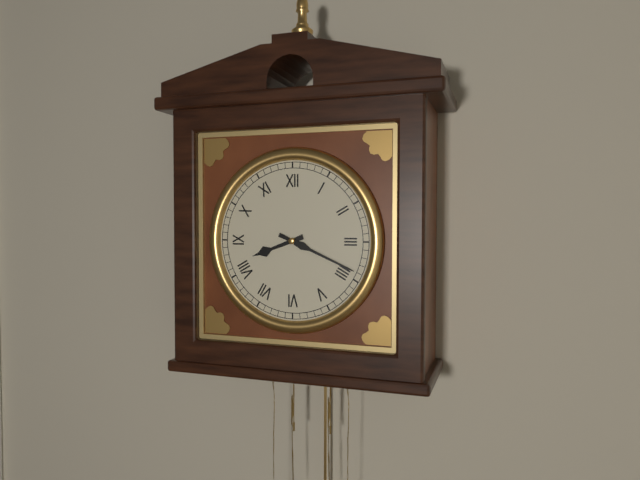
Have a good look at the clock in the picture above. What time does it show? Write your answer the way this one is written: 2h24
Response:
8h19
